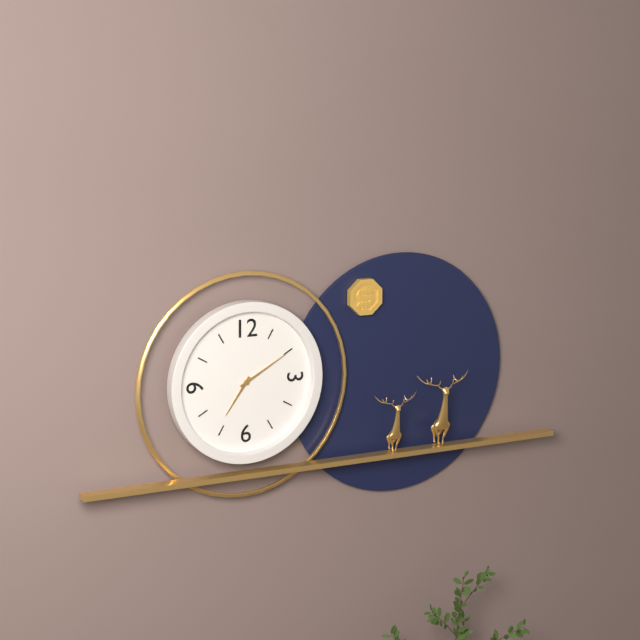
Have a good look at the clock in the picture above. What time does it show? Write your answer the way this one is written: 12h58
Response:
7h10
